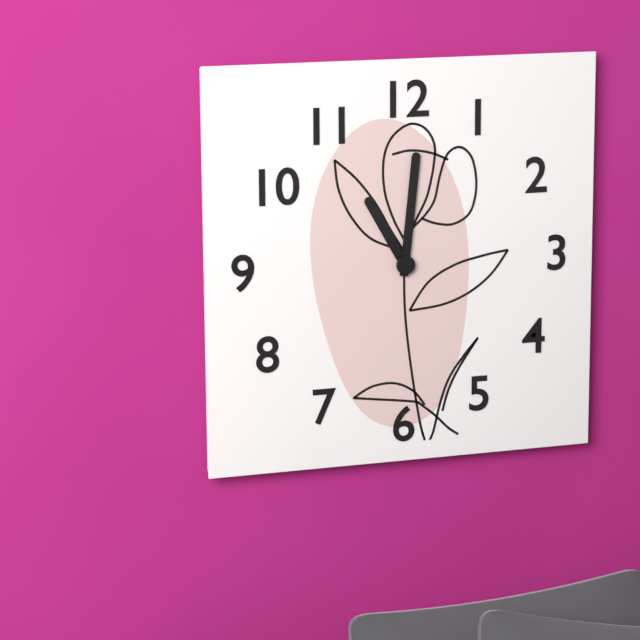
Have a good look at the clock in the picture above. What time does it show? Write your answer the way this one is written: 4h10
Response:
11h01
